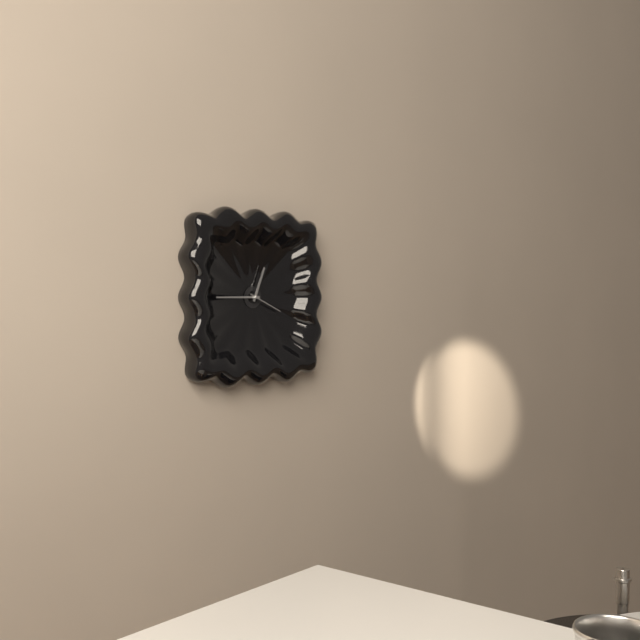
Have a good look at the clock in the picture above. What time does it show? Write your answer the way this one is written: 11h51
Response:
12h45
